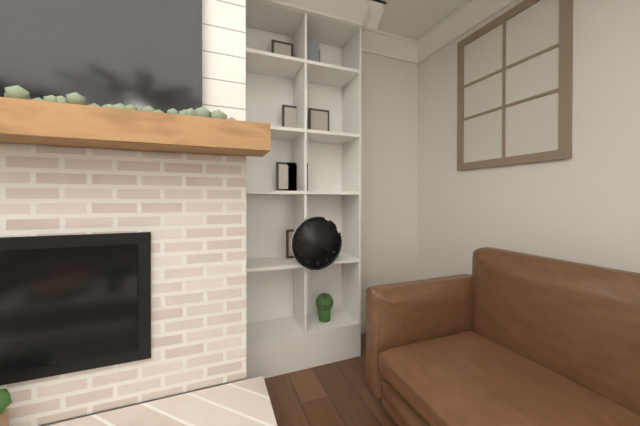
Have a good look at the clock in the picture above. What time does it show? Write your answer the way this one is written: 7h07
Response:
4h07
